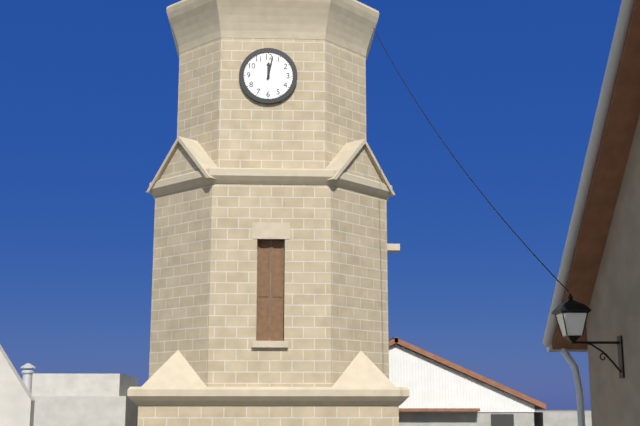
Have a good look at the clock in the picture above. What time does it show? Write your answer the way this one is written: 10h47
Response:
12h02
